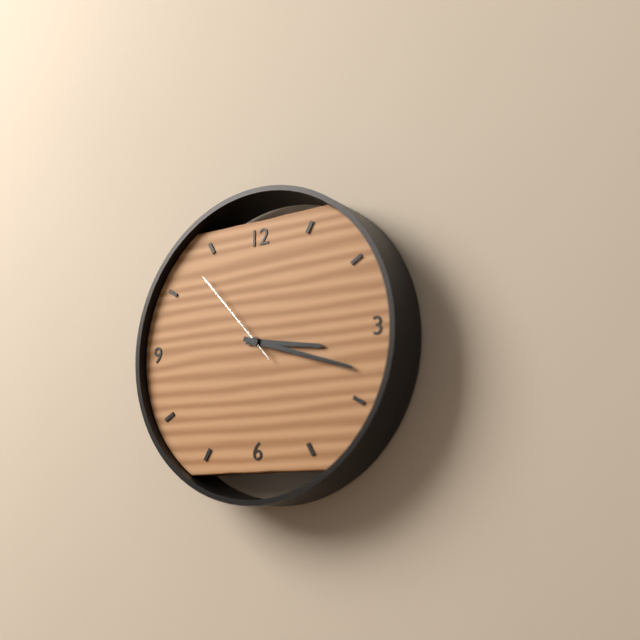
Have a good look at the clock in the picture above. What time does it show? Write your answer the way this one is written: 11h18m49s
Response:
3h18m53s
